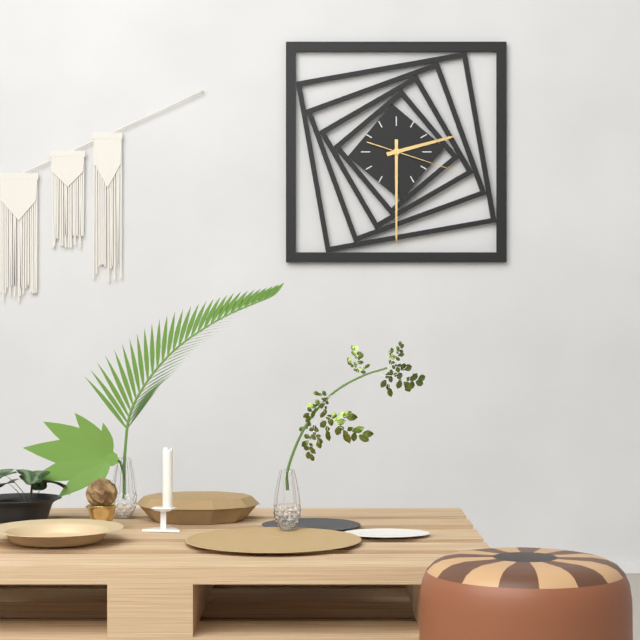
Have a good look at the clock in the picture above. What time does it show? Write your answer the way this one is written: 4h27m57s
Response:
2h30m18s
